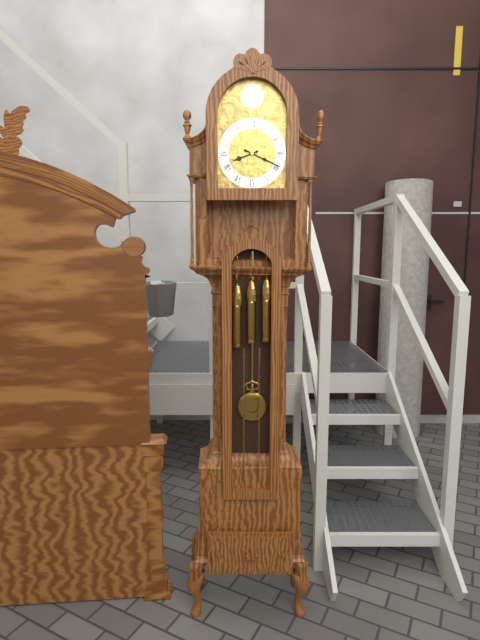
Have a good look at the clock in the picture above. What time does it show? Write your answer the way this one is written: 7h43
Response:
8h19
